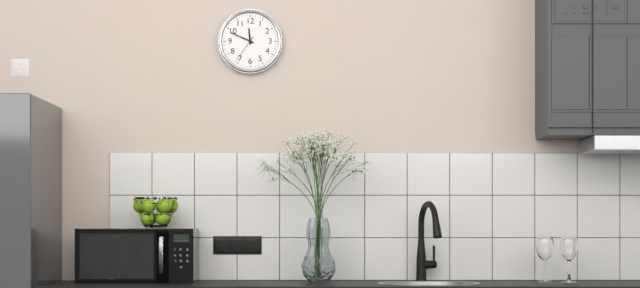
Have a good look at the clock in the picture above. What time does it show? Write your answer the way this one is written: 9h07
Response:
11h49
